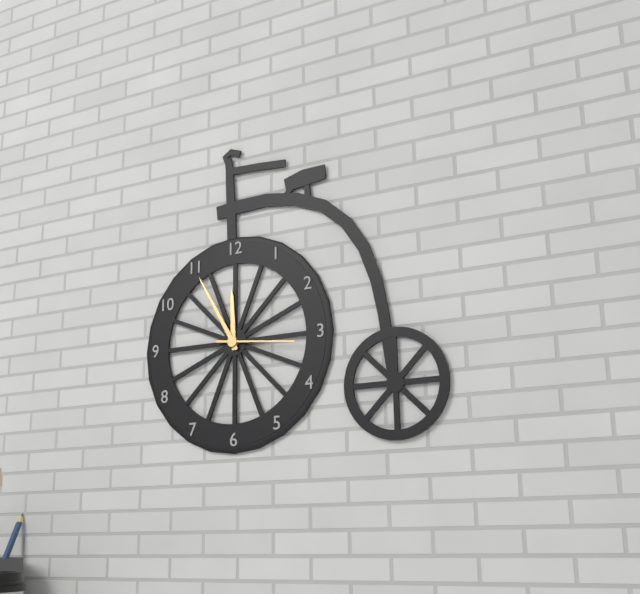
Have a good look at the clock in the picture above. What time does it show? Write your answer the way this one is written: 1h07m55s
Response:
11h55m16s
